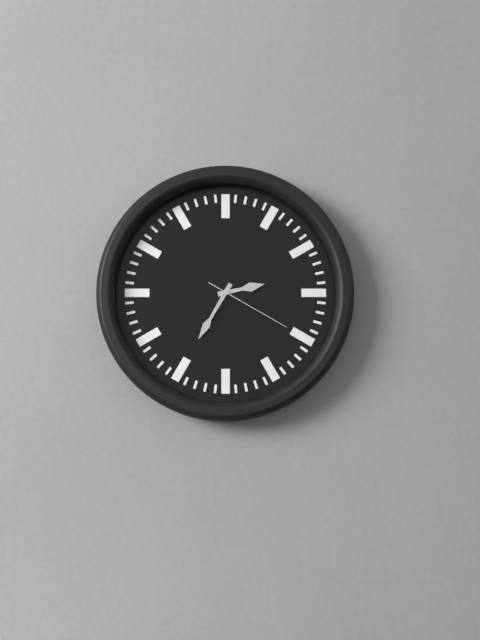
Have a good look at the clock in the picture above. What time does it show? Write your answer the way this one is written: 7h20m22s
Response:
2h35m20s
